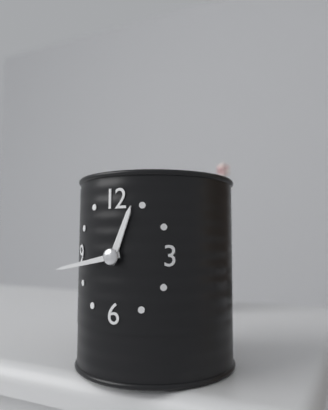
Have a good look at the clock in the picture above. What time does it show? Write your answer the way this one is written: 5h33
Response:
12h43
